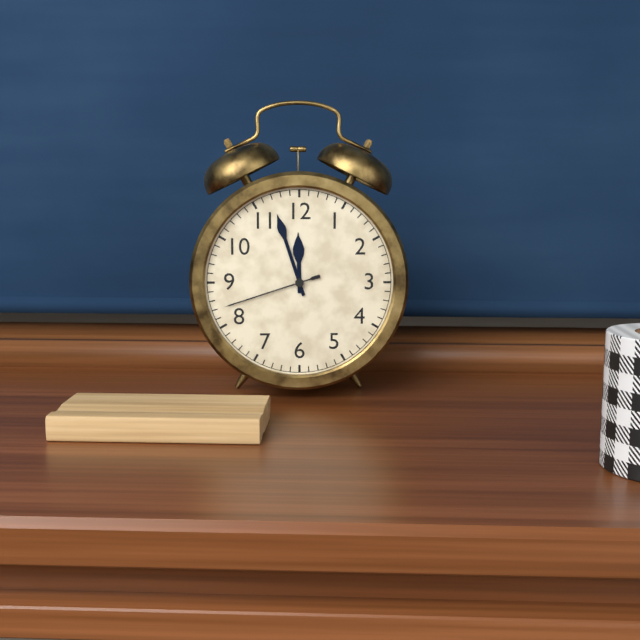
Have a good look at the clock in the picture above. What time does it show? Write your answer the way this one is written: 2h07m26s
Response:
11h57m42s
